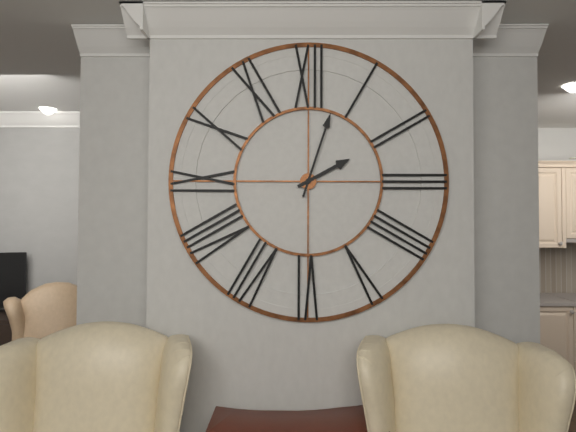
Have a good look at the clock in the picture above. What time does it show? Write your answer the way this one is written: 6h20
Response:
2h03
